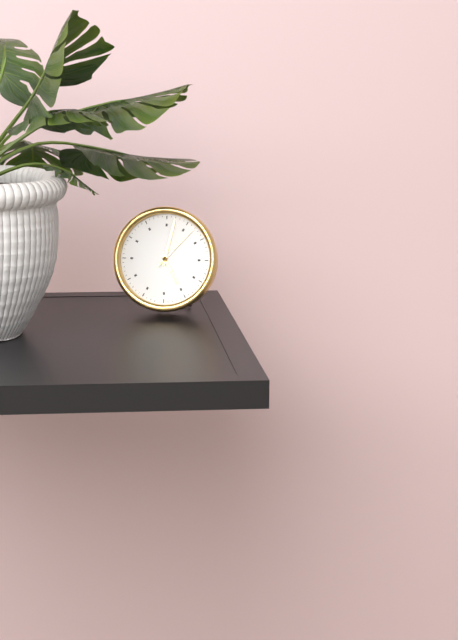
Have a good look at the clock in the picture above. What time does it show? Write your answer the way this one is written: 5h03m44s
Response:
5h02m07s
